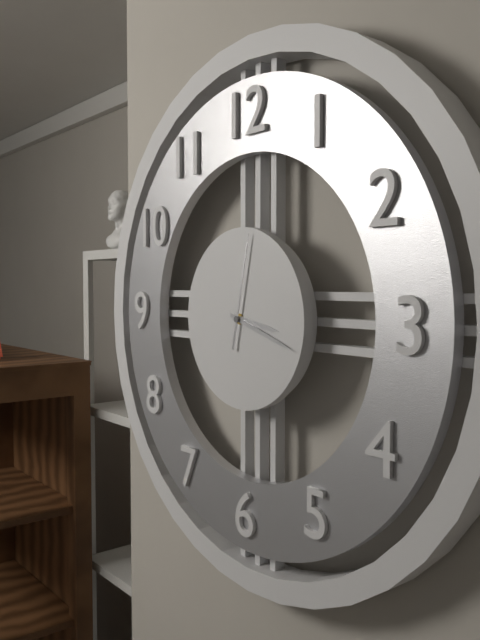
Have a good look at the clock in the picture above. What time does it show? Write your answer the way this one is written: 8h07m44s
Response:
3h18m02s
